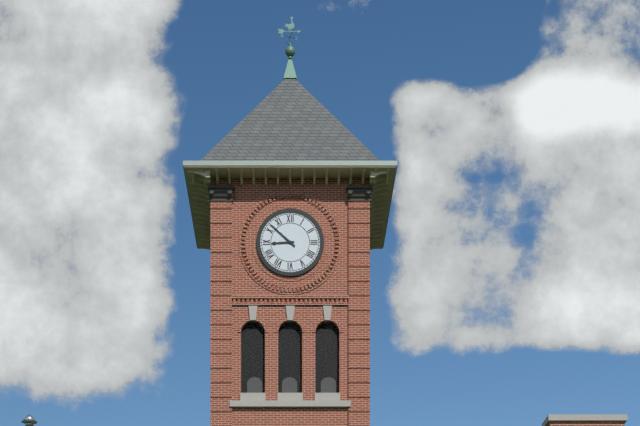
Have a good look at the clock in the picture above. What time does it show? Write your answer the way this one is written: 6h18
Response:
8h52
